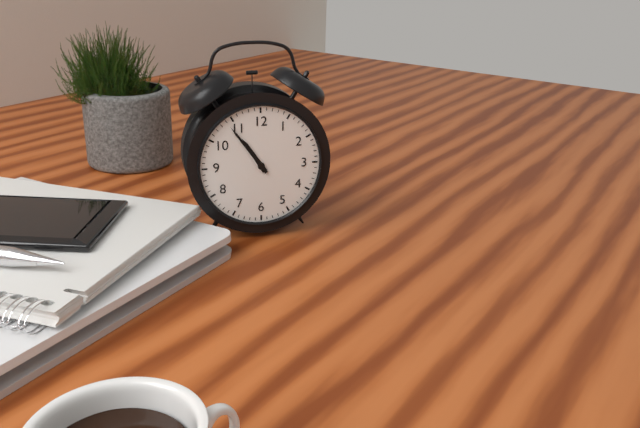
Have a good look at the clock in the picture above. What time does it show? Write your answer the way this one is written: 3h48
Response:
10h54
